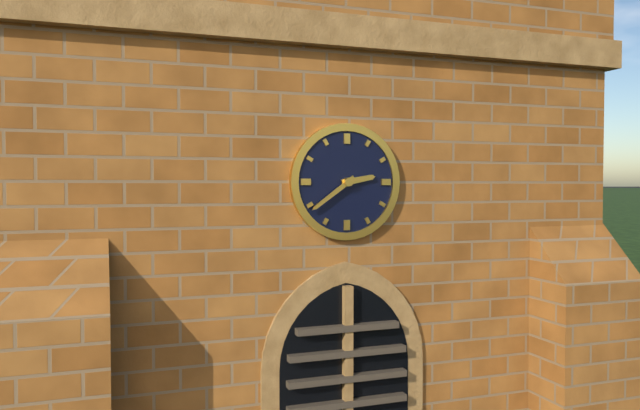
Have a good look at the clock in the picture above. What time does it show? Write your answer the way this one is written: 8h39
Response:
2h39
